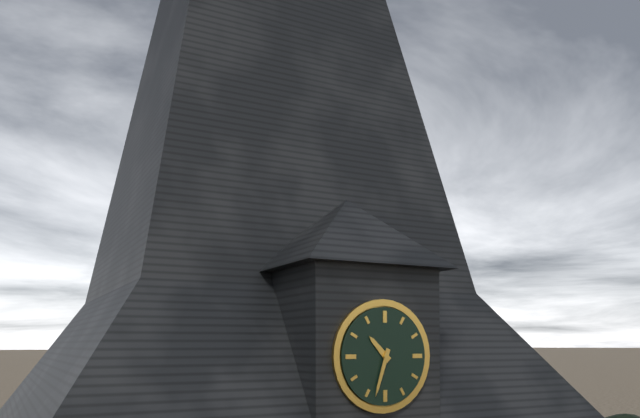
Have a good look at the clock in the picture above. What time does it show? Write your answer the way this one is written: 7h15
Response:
10h33
